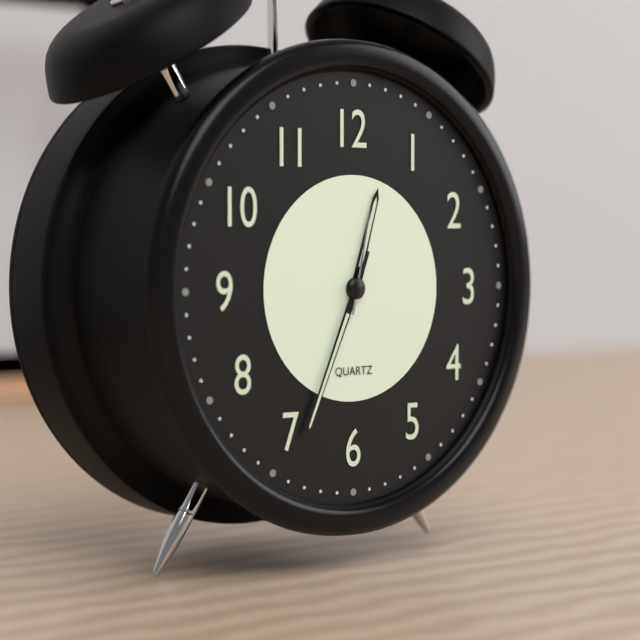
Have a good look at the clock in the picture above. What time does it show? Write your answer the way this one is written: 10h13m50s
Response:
12h34m02s
